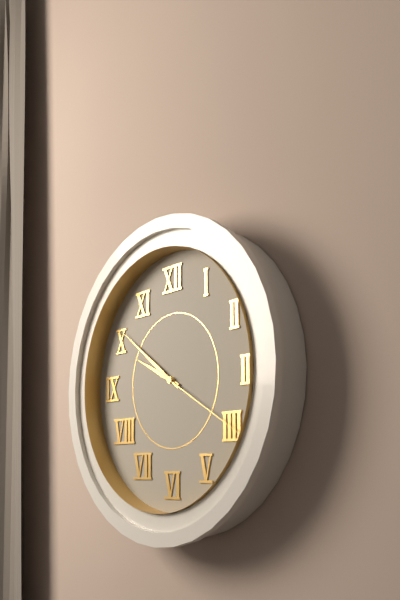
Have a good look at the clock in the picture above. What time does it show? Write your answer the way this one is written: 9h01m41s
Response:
9h51m20s
